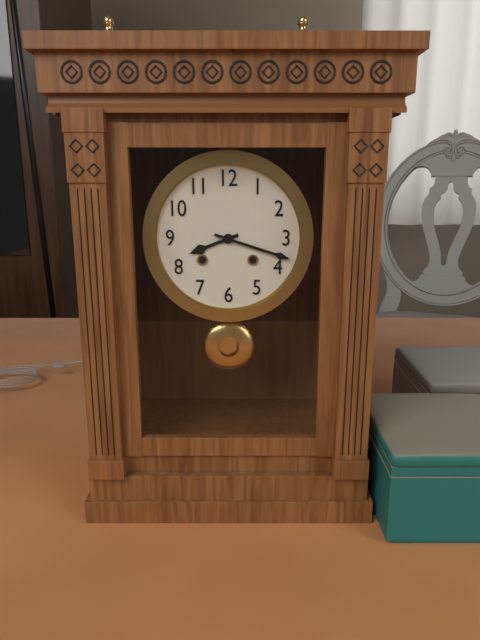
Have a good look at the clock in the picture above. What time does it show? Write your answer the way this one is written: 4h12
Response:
8h18
